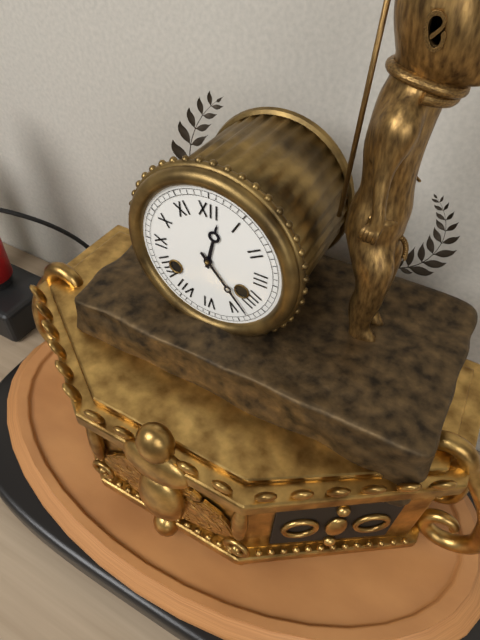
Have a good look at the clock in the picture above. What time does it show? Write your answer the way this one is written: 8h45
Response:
12h23
